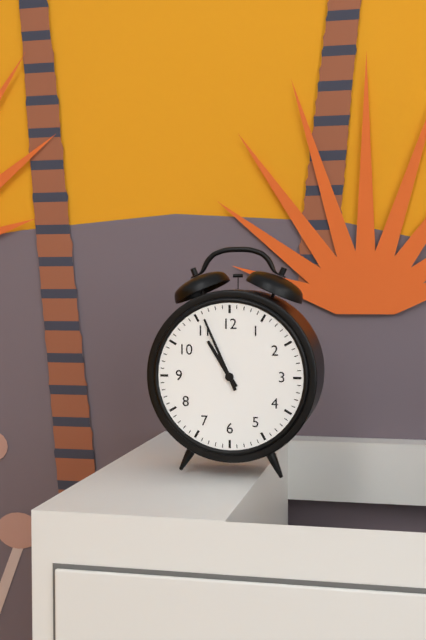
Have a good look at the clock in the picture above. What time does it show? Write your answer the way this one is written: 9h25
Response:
10h56
